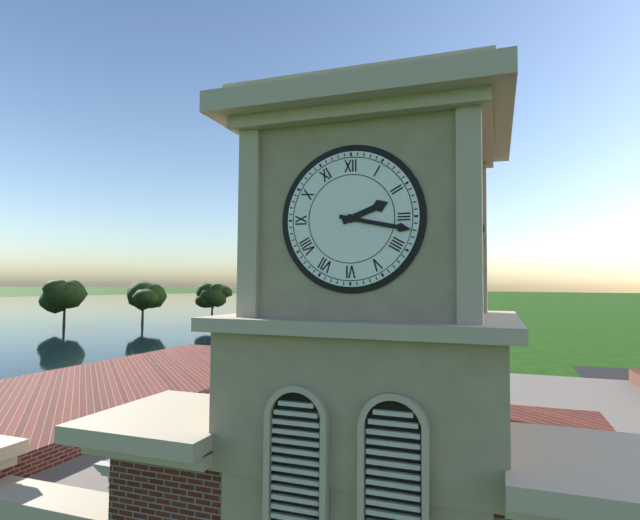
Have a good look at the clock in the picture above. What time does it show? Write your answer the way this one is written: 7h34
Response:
2h17
